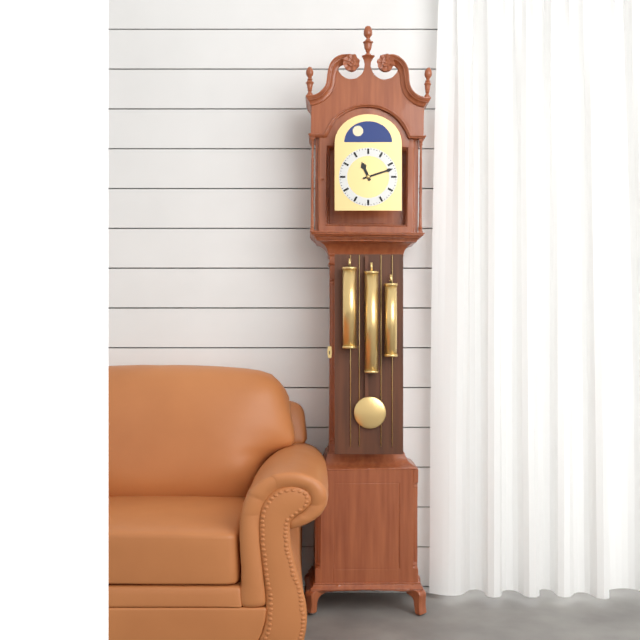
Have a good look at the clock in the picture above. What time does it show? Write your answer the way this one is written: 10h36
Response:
11h12
